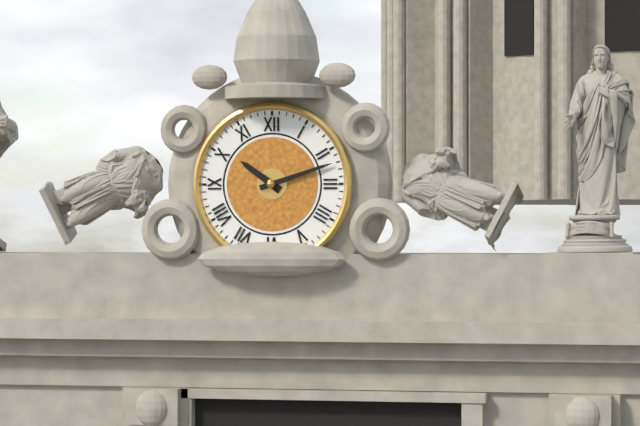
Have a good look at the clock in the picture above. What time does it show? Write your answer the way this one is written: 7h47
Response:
10h12
